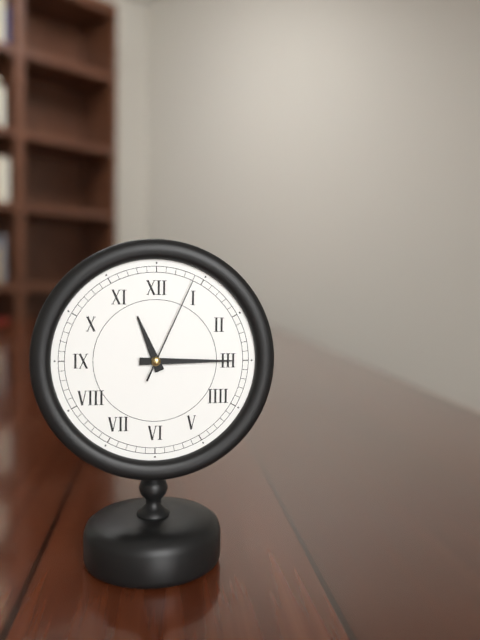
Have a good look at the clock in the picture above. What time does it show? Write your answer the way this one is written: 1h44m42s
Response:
11h15m04s
